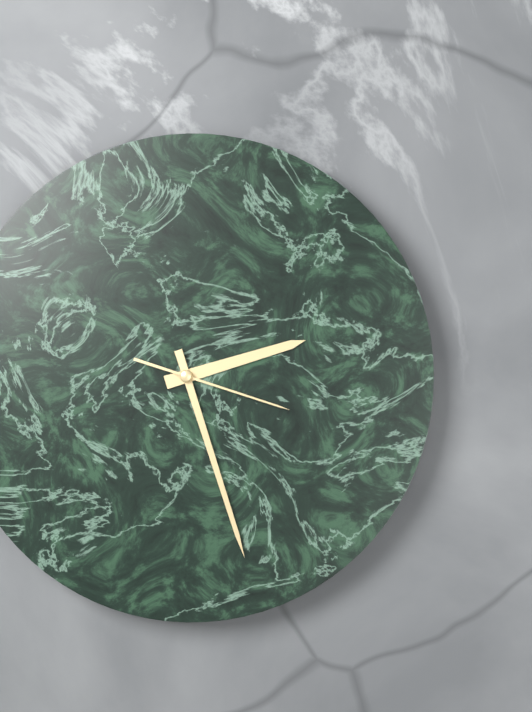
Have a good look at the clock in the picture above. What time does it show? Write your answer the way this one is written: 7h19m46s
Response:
2h27m18s
